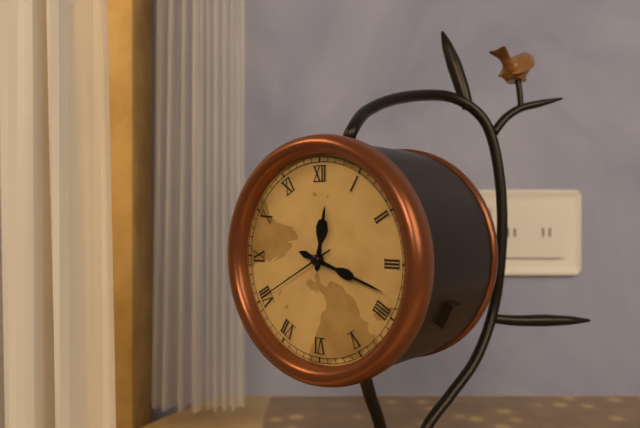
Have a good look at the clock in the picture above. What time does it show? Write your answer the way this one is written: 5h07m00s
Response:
12h18m40s
